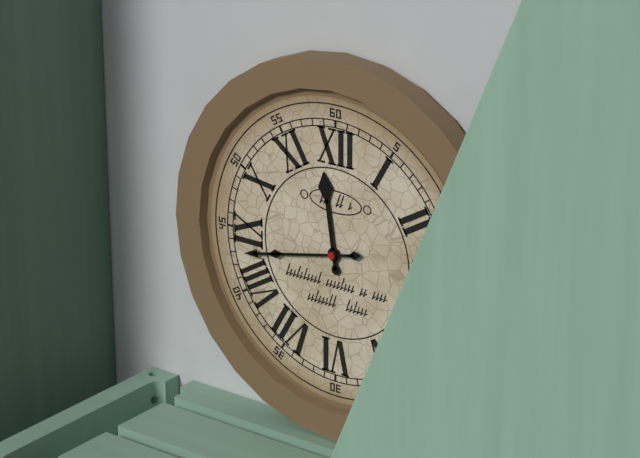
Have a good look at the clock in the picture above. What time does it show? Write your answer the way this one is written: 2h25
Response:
11h43
